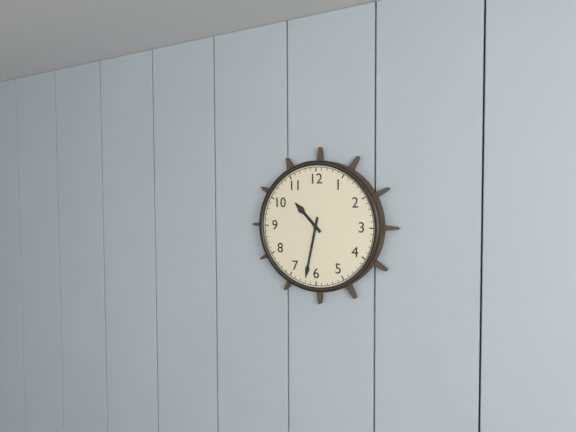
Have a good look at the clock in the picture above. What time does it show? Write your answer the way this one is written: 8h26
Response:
10h32
